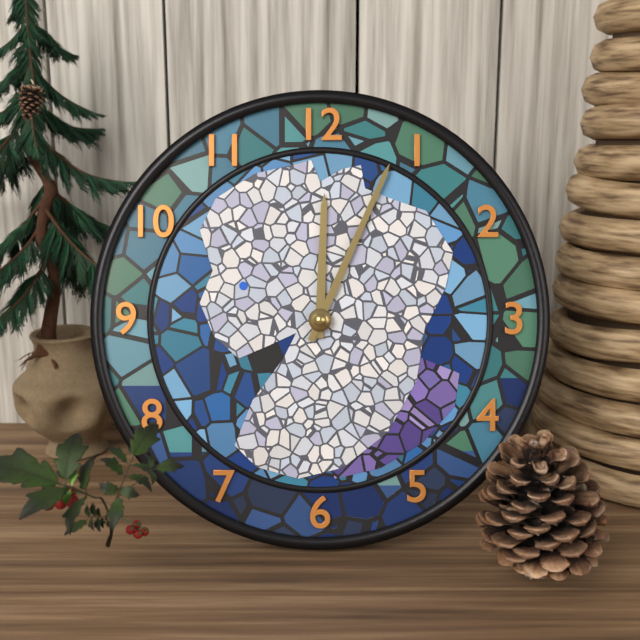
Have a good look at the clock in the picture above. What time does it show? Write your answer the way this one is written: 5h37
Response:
12h04
